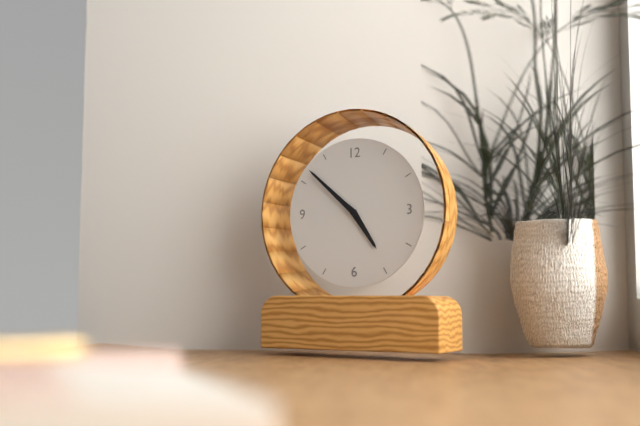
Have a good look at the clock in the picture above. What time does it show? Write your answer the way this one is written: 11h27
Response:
4h52
